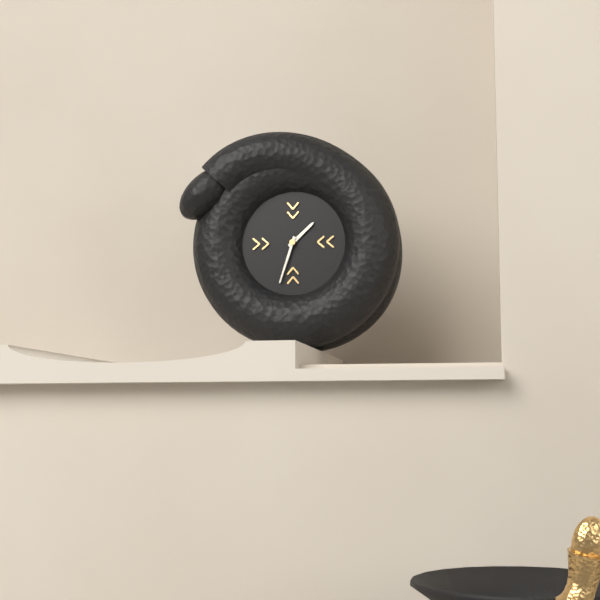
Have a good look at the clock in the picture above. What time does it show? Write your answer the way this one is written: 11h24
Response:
1h33
